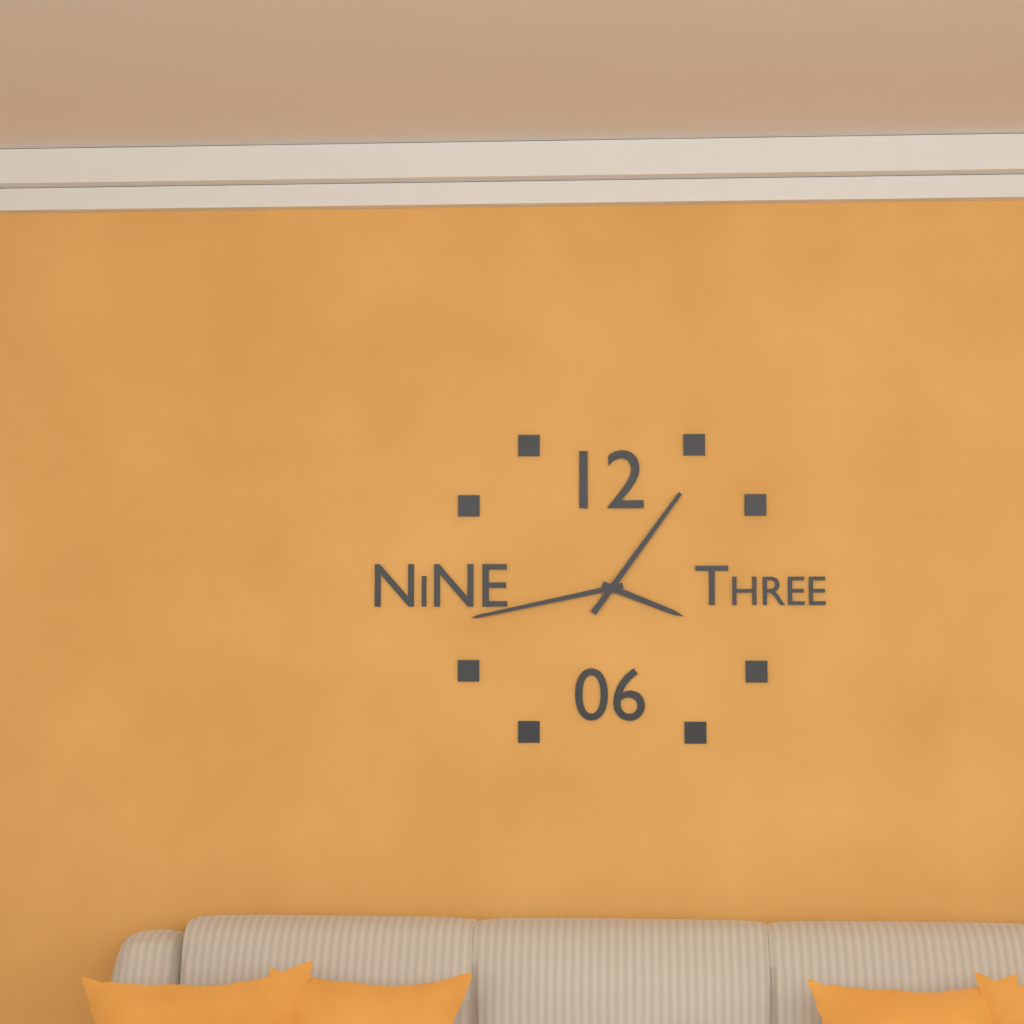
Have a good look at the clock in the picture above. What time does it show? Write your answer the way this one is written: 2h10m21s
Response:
3h43m06s
